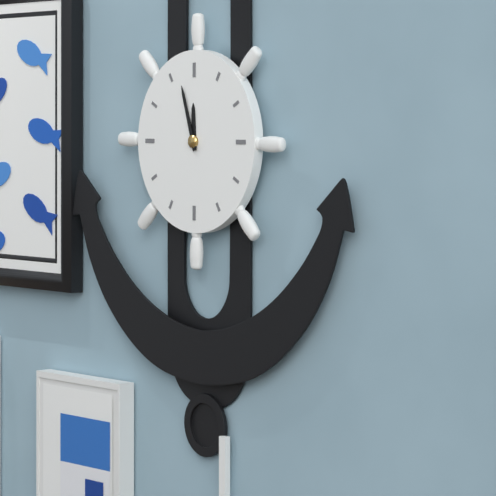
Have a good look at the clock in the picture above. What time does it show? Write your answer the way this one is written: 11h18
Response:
11h57
